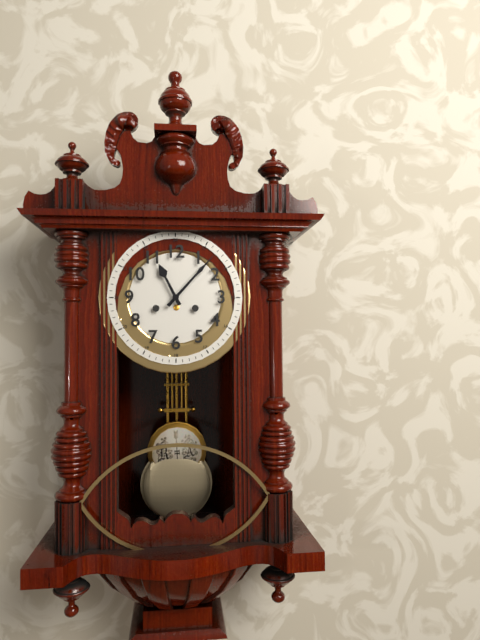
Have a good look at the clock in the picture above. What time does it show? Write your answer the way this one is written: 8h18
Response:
11h07
